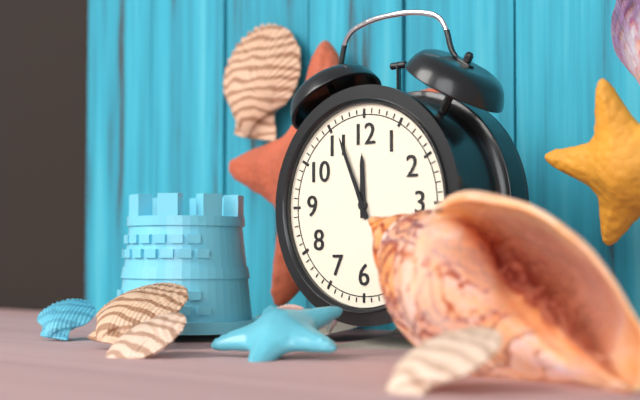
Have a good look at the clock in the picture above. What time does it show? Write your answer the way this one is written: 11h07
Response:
11h56
